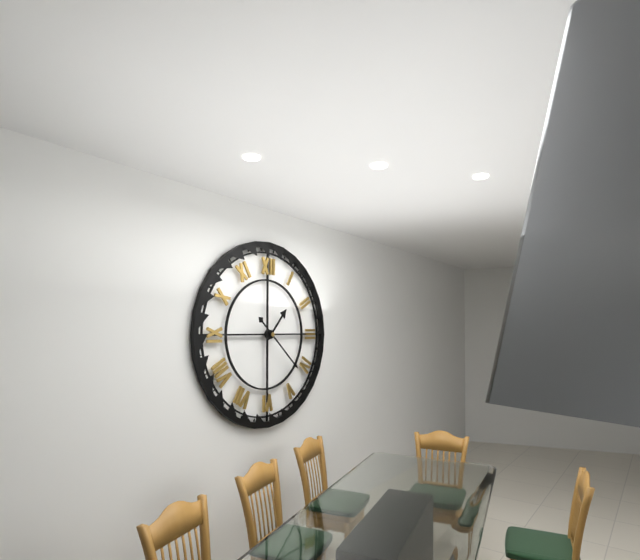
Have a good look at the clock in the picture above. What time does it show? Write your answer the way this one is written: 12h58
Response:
1h22
